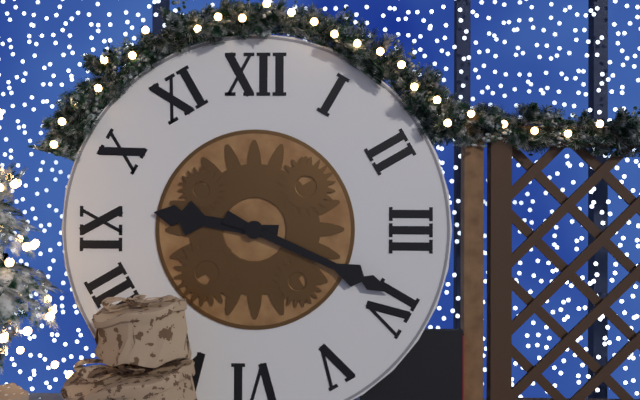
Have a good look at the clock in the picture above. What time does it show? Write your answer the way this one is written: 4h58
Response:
9h19
